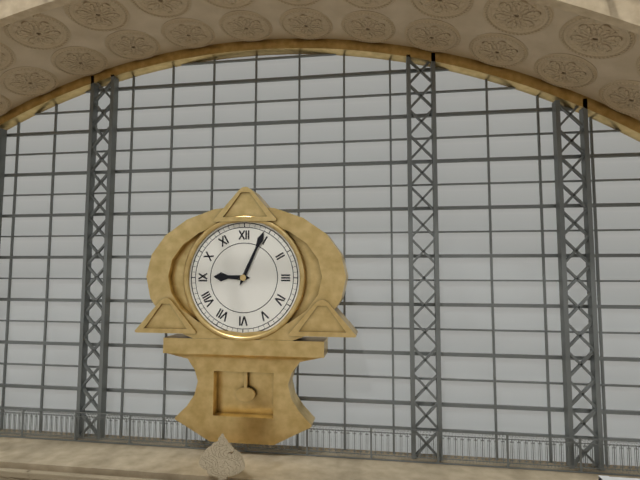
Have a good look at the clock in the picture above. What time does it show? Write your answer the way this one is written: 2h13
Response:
9h04
